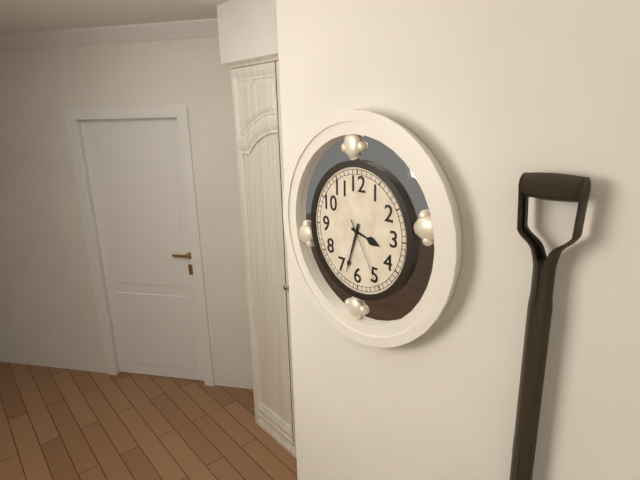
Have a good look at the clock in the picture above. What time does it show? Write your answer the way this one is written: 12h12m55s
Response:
3h33m25s
